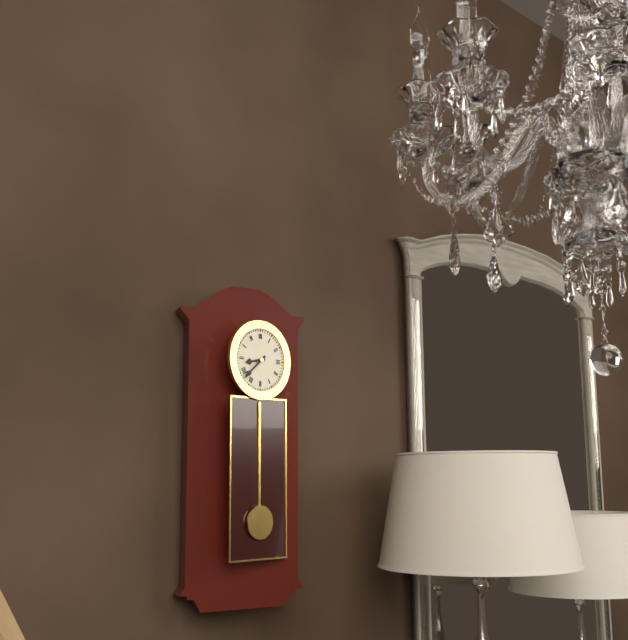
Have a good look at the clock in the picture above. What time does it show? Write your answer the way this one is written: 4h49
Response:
8h38
